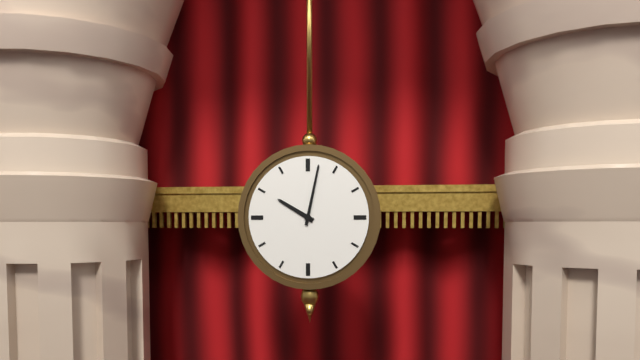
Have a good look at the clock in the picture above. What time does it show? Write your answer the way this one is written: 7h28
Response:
10h02
